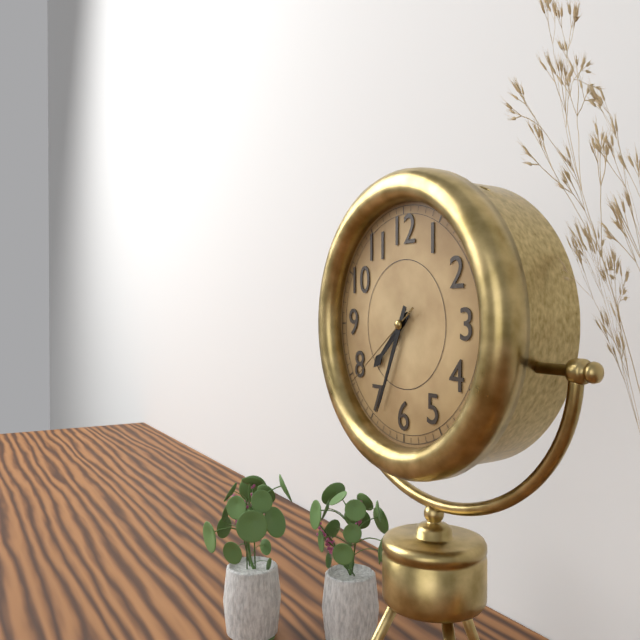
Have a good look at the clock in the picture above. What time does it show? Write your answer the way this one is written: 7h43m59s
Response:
7h34m39s
